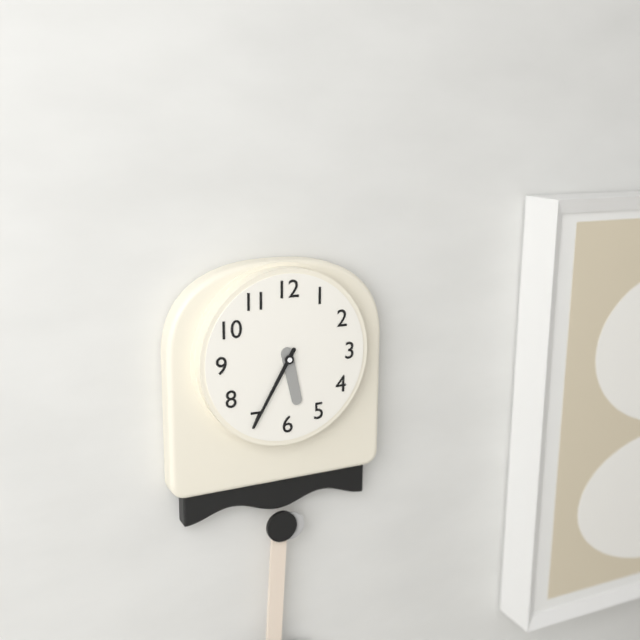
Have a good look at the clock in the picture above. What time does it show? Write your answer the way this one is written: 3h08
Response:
5h35
